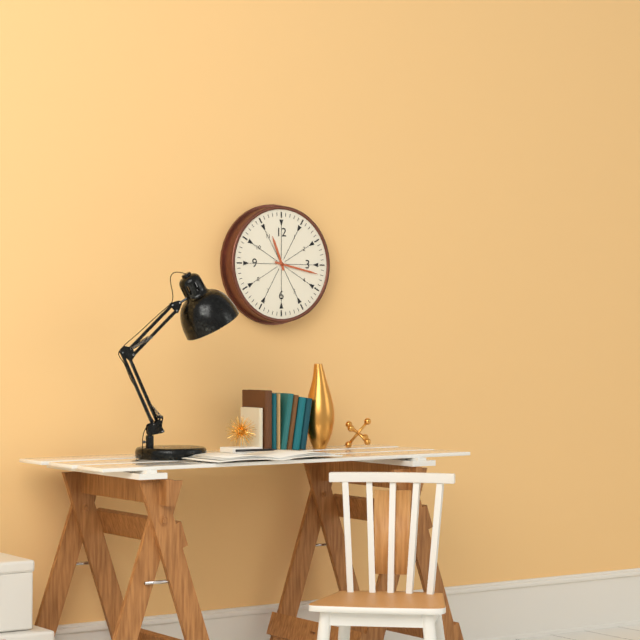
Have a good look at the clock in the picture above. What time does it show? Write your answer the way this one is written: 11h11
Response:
11h17
